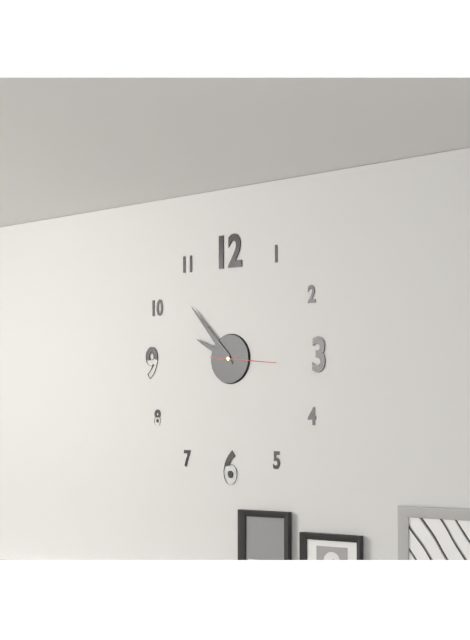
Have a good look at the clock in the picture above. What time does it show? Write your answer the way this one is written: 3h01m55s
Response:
9h53m16s
